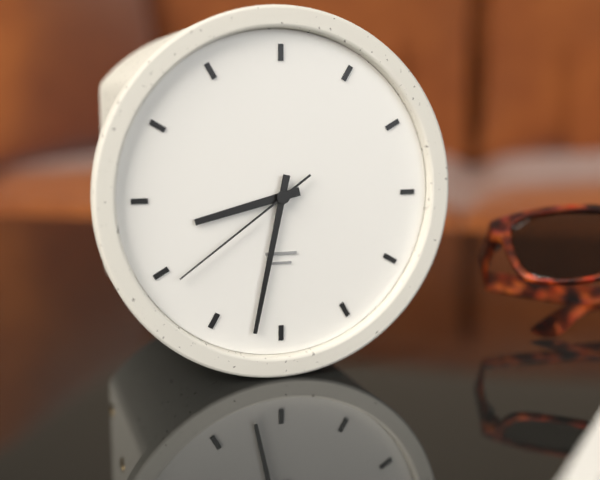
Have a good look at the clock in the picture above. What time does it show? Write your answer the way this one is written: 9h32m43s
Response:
8h32m39s
